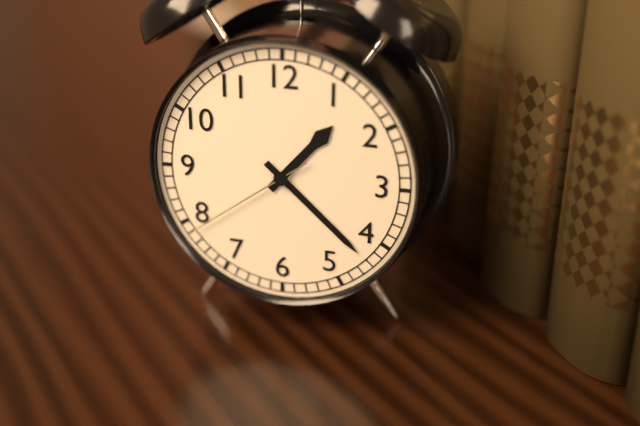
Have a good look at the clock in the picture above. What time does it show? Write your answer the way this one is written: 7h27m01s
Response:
1h22m39s
